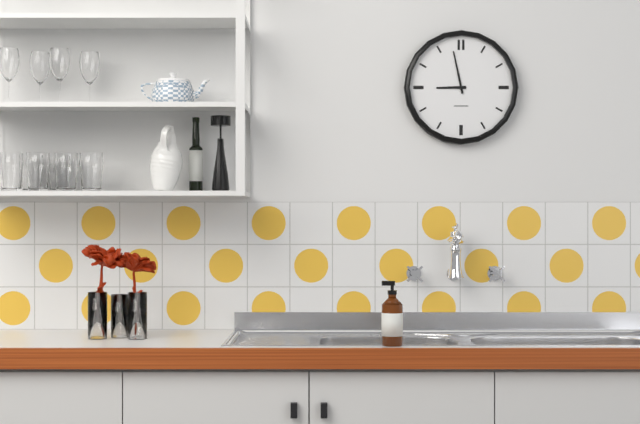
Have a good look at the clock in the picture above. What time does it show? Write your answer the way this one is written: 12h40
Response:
8h58
